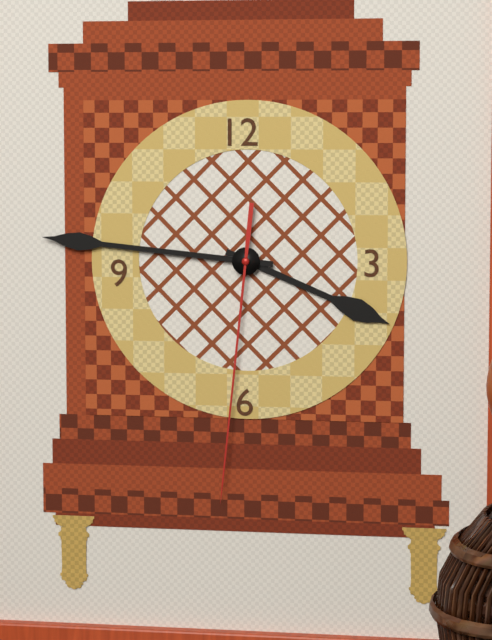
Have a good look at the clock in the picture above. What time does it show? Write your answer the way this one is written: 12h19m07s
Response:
3h46m31s
